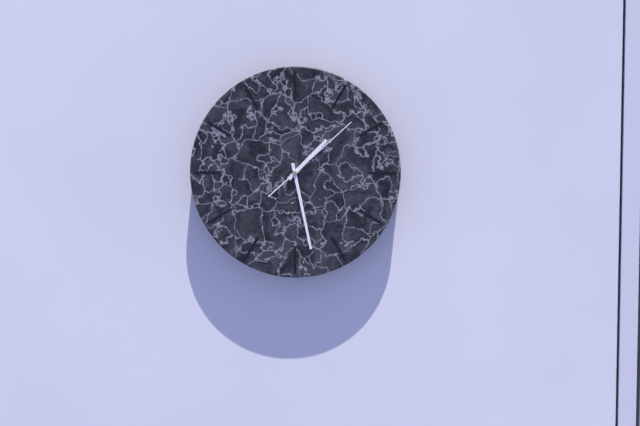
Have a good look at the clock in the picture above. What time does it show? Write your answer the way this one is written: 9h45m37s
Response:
1h28m08s
